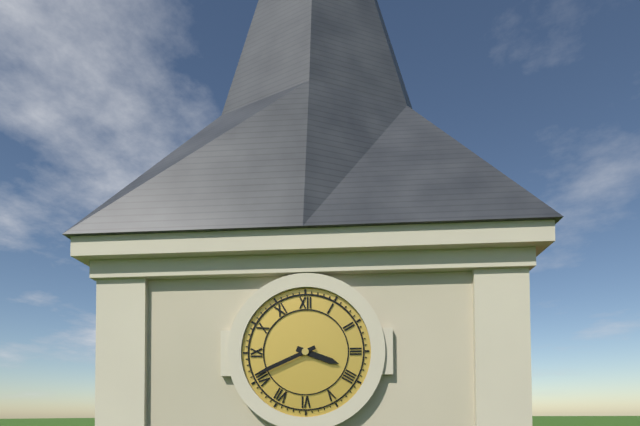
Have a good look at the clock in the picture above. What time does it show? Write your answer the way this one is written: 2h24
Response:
3h41
